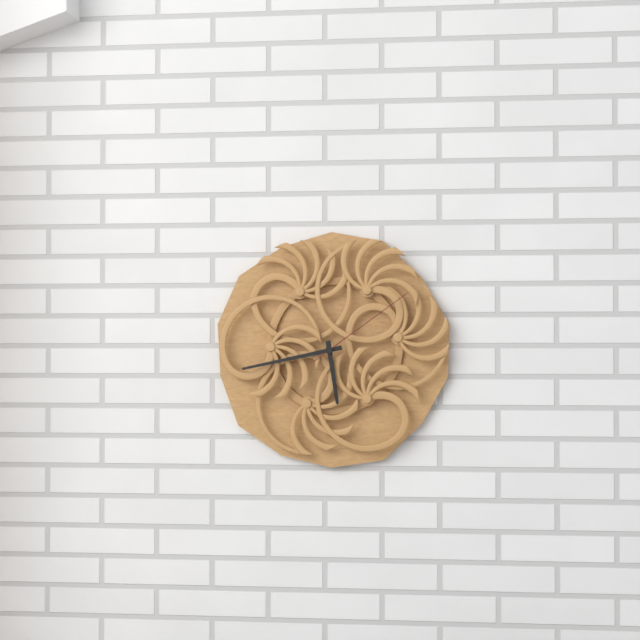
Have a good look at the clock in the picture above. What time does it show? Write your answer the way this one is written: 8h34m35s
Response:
5h43m09s
